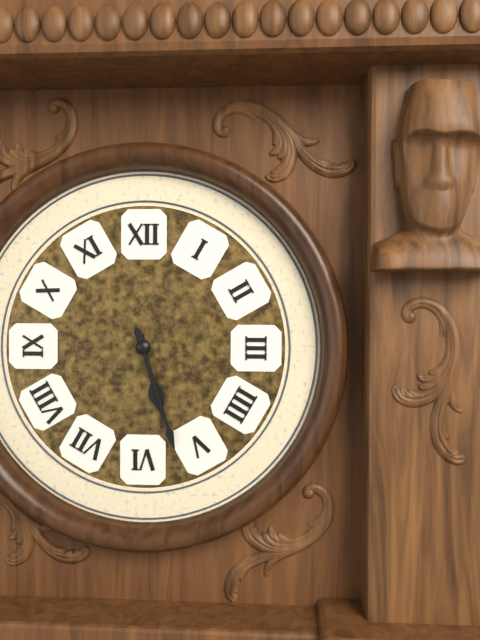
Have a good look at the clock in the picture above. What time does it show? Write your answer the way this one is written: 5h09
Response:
5h27
